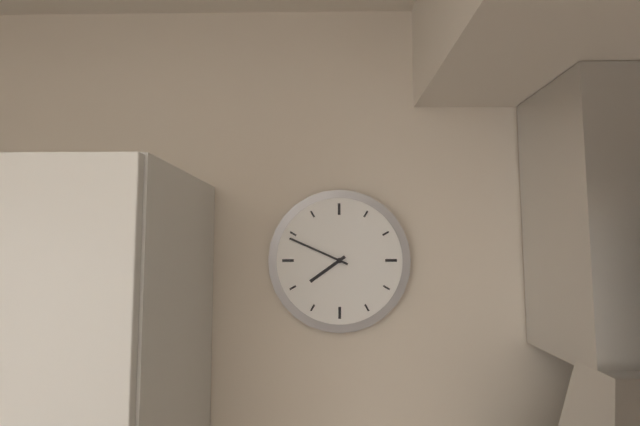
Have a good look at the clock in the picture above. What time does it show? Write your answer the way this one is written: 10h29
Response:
7h49
